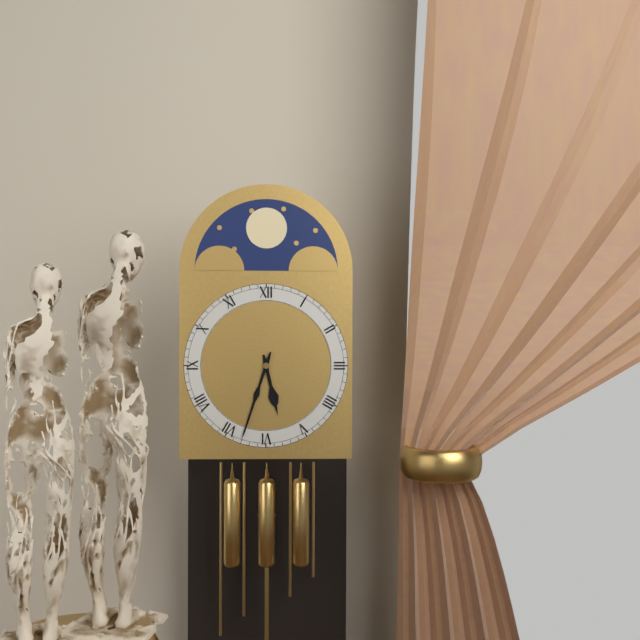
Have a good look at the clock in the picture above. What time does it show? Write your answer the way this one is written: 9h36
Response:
5h33
